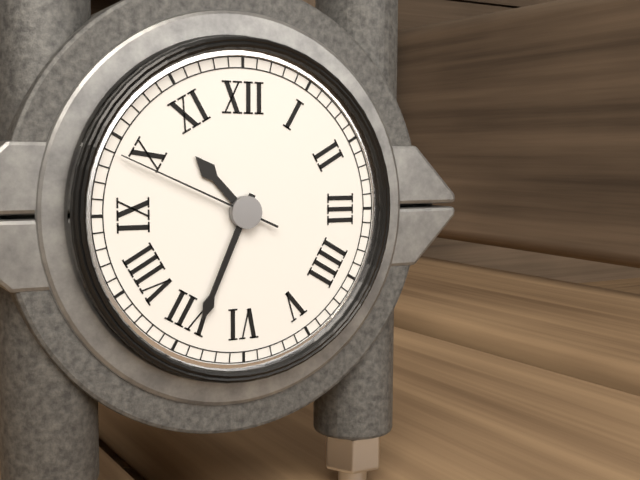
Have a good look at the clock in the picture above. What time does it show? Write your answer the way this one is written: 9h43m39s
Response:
10h34m49s
